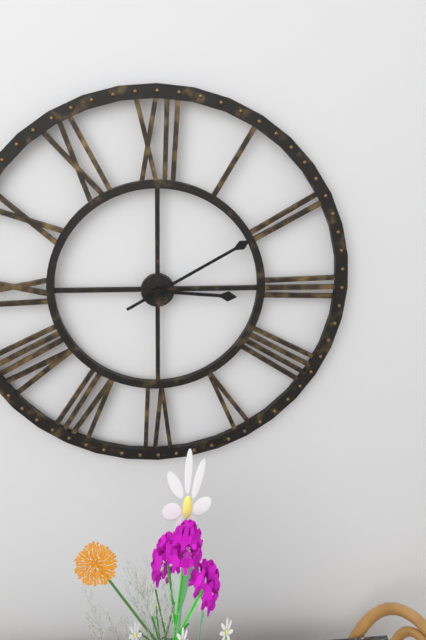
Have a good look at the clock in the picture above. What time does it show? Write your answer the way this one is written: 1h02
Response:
3h10
